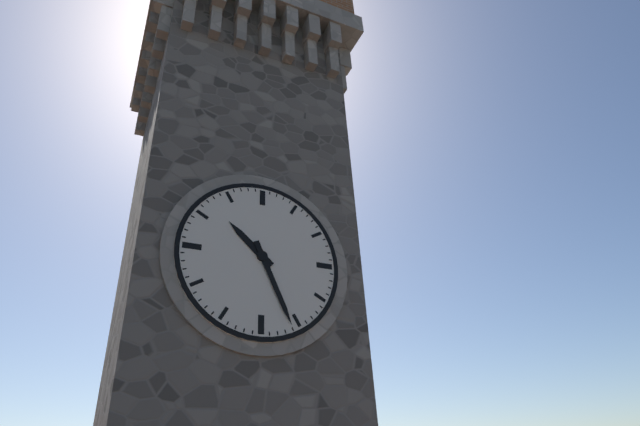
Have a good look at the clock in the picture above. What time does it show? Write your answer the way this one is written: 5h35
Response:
10h26
